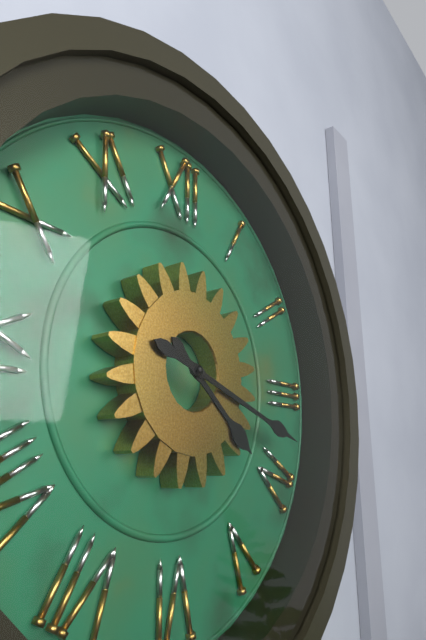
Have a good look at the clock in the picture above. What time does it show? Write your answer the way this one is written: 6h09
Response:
4h18
